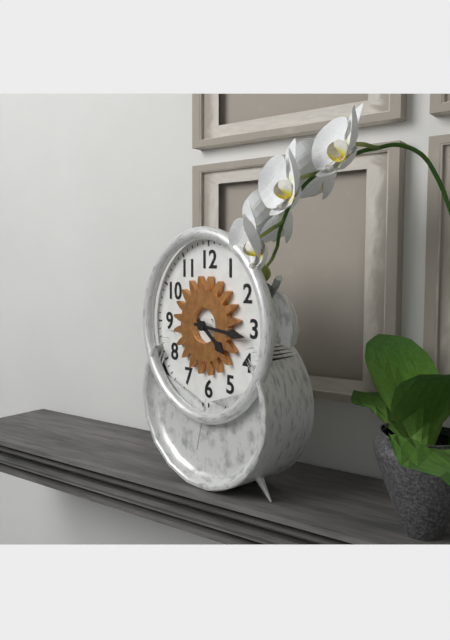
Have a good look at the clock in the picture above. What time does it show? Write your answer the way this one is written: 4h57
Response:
4h16
